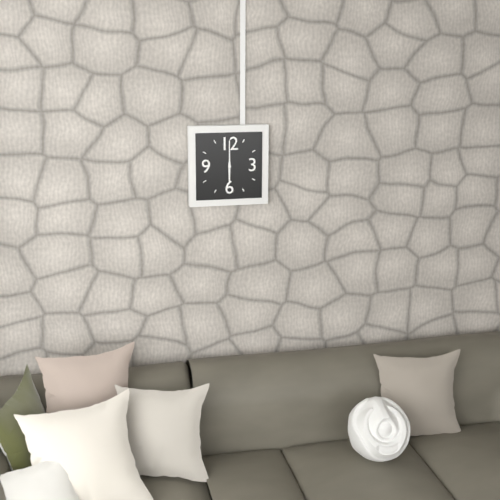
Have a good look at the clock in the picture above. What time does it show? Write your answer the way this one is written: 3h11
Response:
6h00
